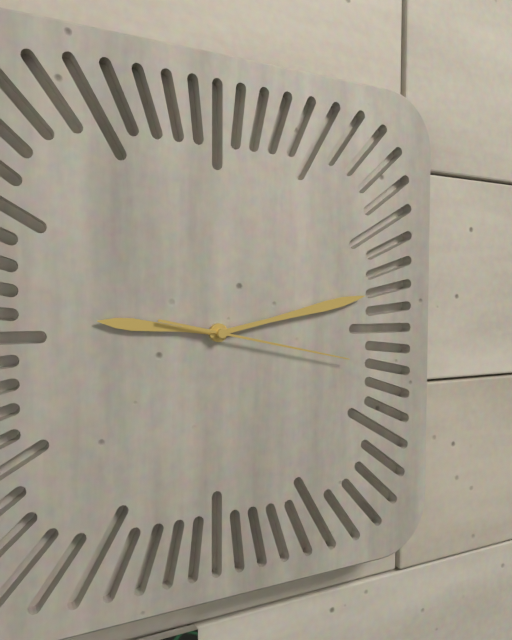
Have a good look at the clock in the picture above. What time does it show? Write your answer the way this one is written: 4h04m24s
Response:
9h13m17s
